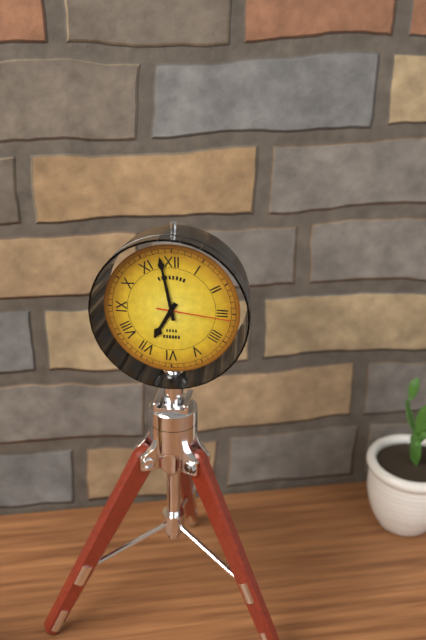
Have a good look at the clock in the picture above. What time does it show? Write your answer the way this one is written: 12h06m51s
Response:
6h58m16s
